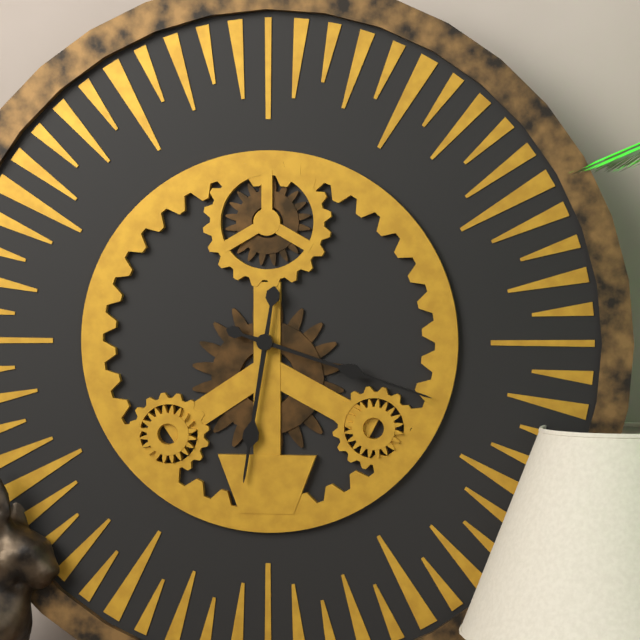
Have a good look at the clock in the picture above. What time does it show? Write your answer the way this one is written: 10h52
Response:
6h18
